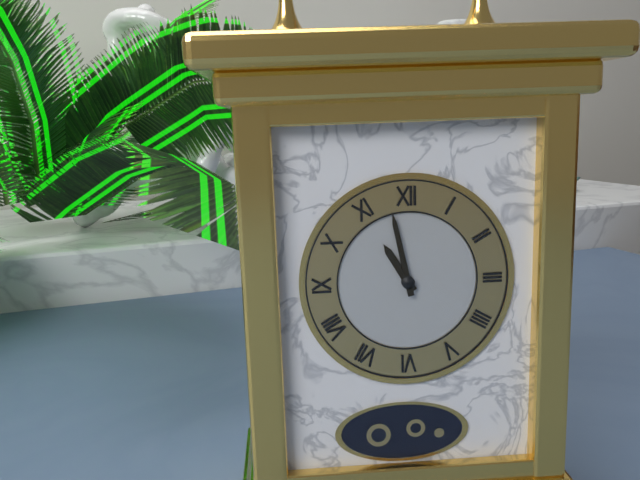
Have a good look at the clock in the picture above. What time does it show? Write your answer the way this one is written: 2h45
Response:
10h58
